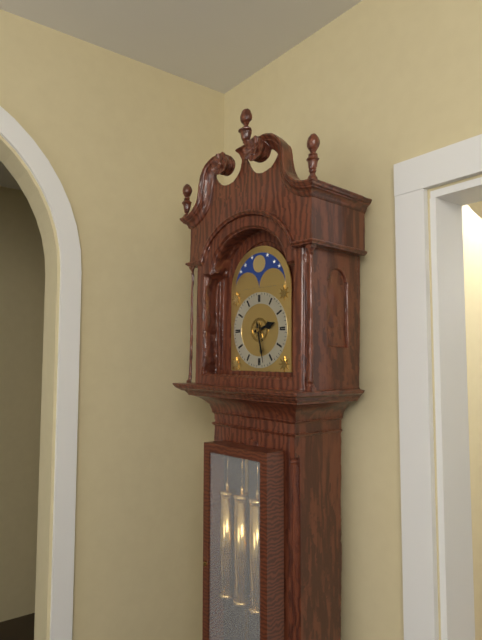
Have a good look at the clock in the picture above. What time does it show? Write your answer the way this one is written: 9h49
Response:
2h28
